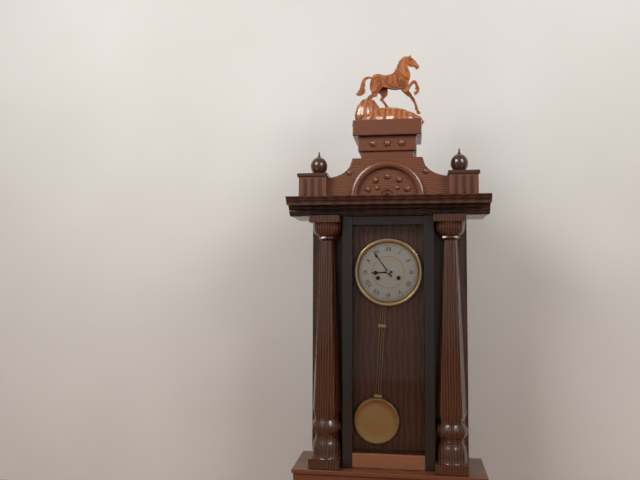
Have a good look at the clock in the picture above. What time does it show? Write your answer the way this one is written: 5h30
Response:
8h54
